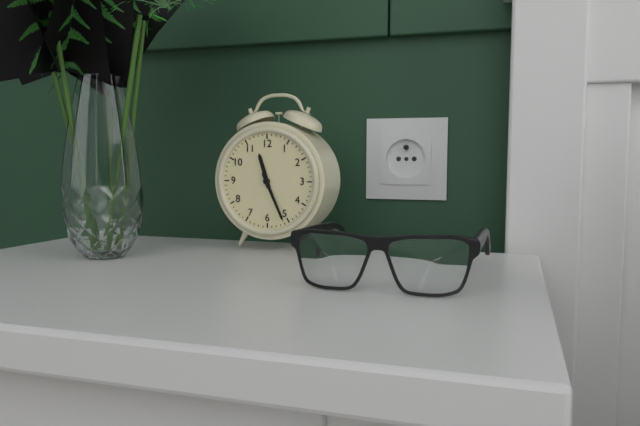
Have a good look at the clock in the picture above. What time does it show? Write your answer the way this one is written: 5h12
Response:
11h26
